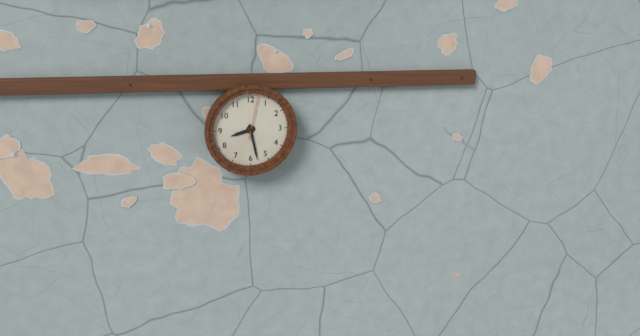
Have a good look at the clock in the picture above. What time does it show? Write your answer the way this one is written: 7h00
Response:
8h28
